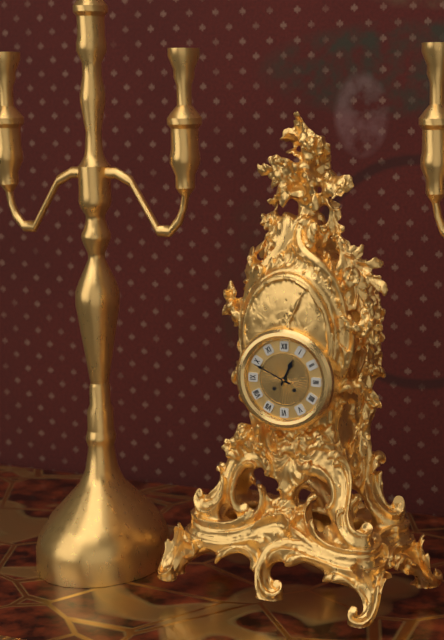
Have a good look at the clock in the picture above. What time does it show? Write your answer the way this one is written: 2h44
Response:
12h49
